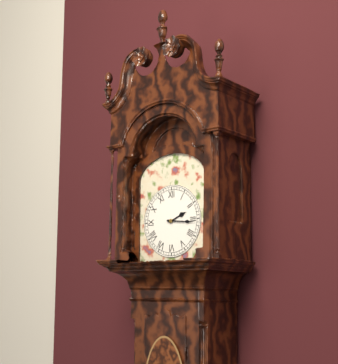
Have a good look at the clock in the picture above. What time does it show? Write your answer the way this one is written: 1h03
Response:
2h16
